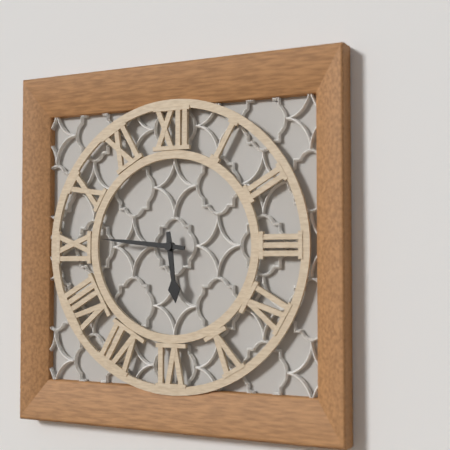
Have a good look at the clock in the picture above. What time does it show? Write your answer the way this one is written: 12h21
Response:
5h46
